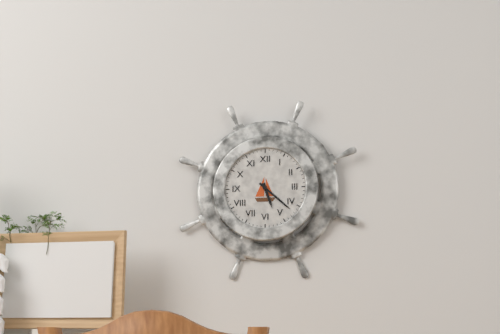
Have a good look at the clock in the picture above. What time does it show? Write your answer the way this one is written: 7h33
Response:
5h22
